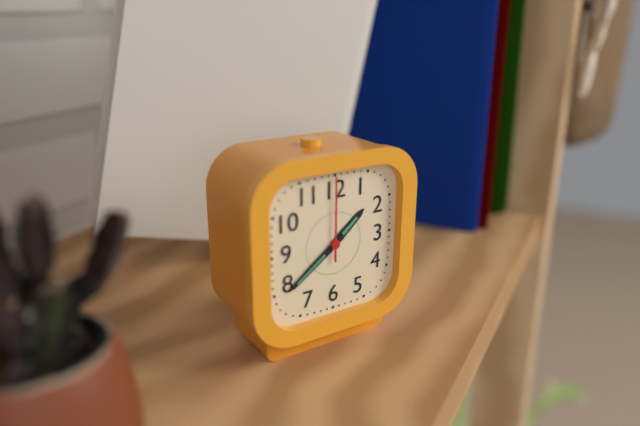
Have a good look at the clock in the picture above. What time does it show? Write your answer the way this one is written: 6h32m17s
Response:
1h39m00s
